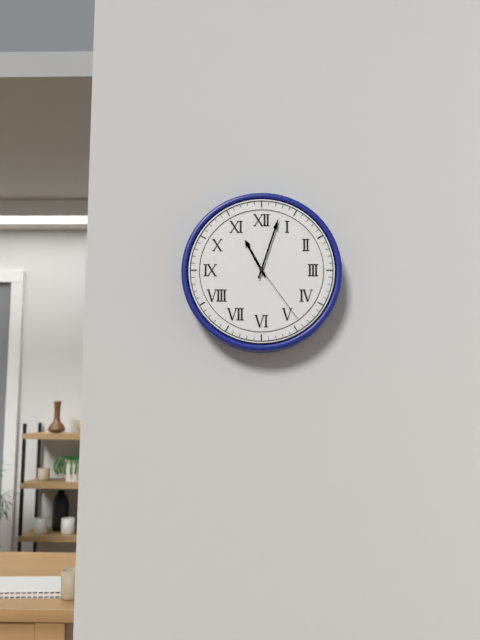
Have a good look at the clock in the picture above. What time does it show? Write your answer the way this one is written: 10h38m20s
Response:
11h03m24s
